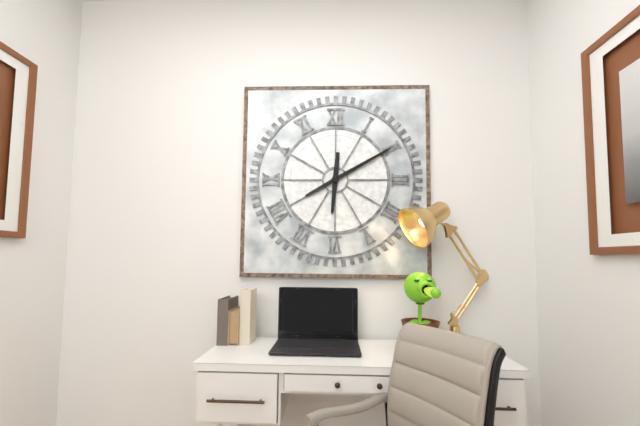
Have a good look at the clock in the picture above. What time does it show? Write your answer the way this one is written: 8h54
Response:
6h10
